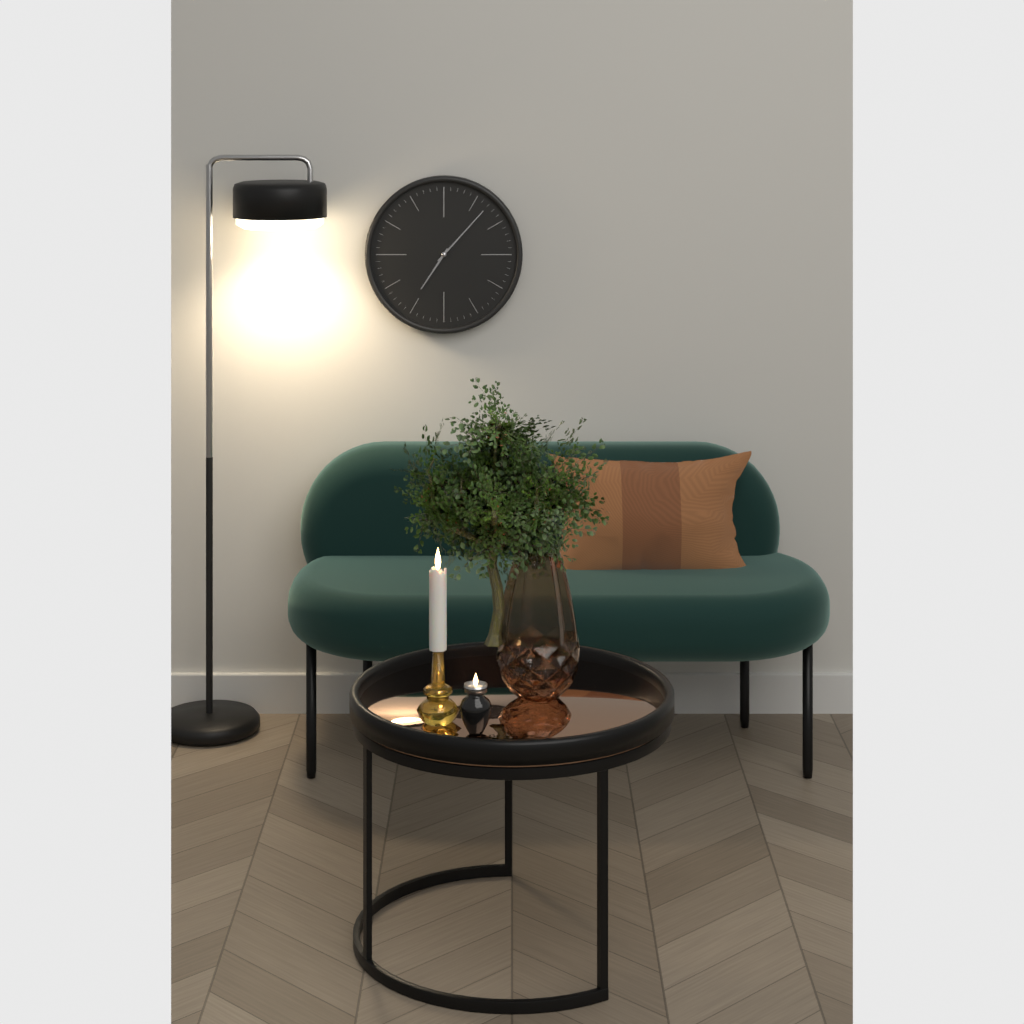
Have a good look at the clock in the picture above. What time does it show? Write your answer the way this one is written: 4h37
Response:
7h07
